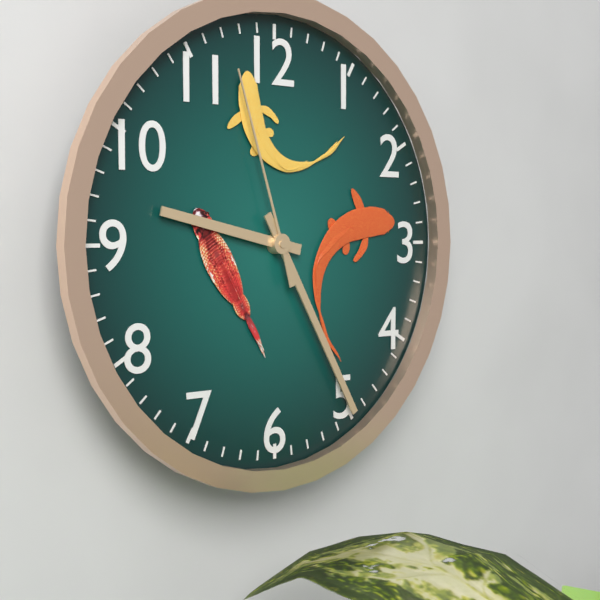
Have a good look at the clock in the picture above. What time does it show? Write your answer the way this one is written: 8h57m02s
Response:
9h25m57s
